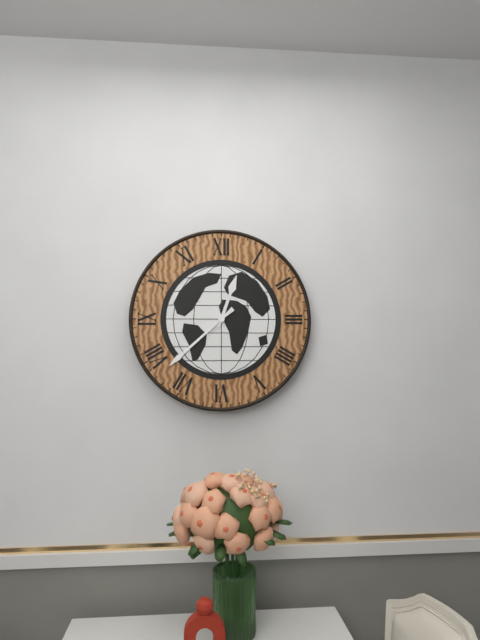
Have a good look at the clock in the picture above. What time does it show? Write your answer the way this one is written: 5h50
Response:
12h38
